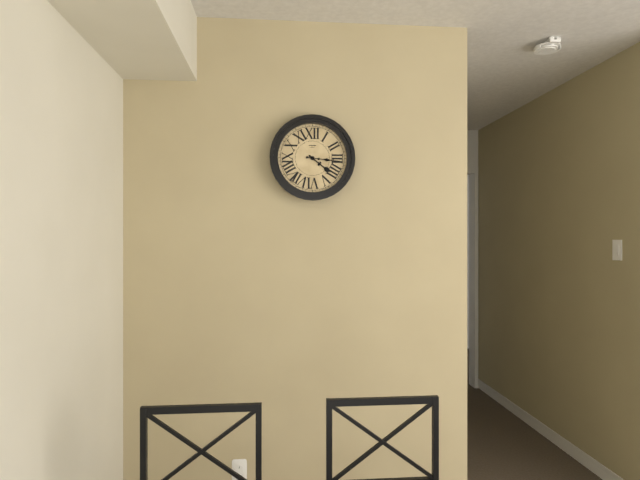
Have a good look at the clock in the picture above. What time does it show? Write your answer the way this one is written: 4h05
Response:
4h16
